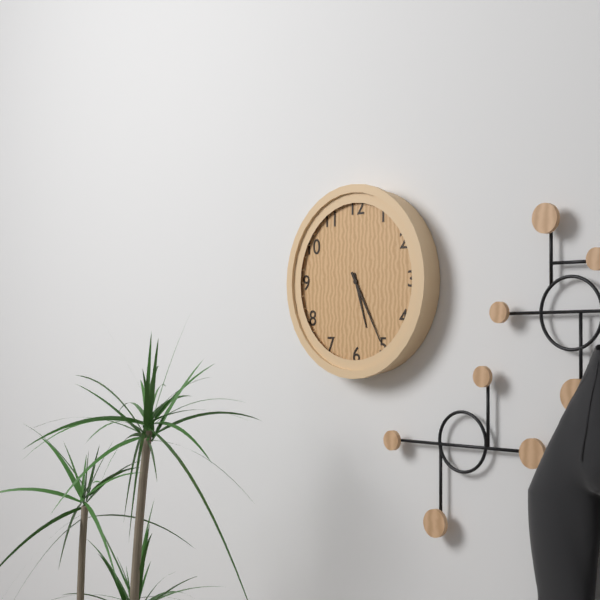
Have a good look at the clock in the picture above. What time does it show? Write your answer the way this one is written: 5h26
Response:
5h25
